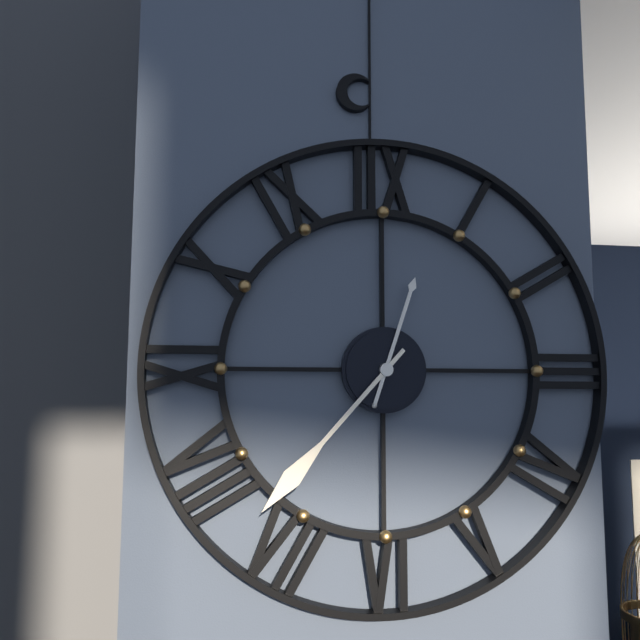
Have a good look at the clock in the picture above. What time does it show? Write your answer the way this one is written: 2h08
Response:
12h37
